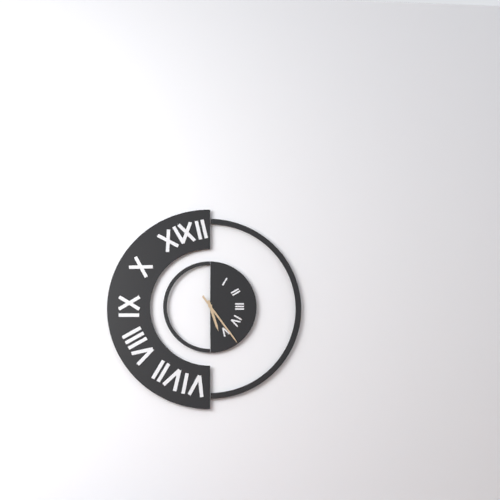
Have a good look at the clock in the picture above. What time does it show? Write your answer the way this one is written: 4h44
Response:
5h24
